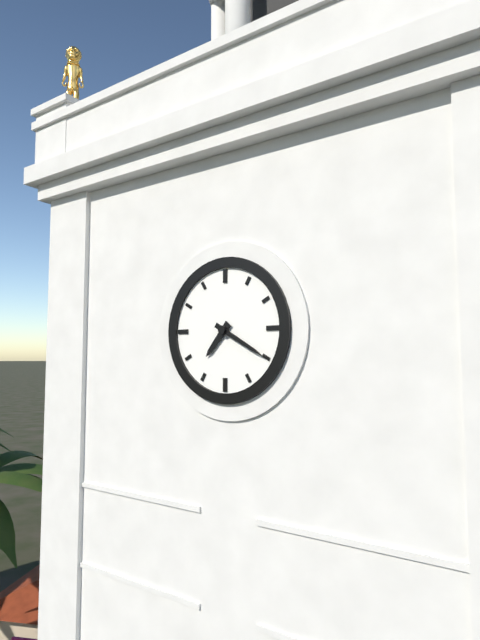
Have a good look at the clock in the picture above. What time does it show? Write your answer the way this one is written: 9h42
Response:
7h20
